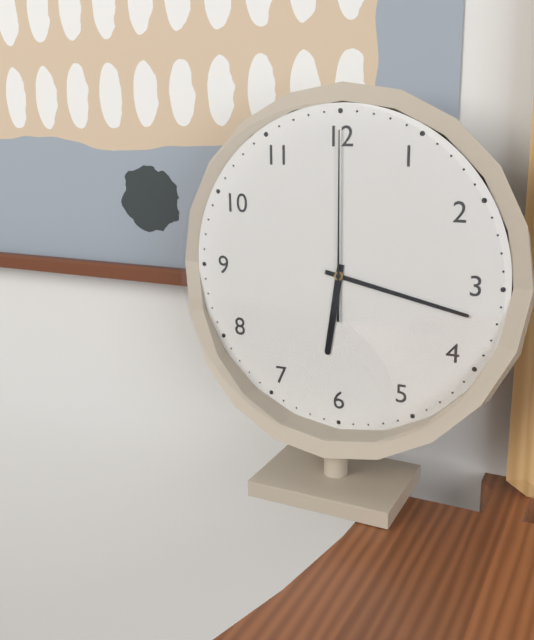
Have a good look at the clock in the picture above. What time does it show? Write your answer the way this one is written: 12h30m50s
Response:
6h17m00s
